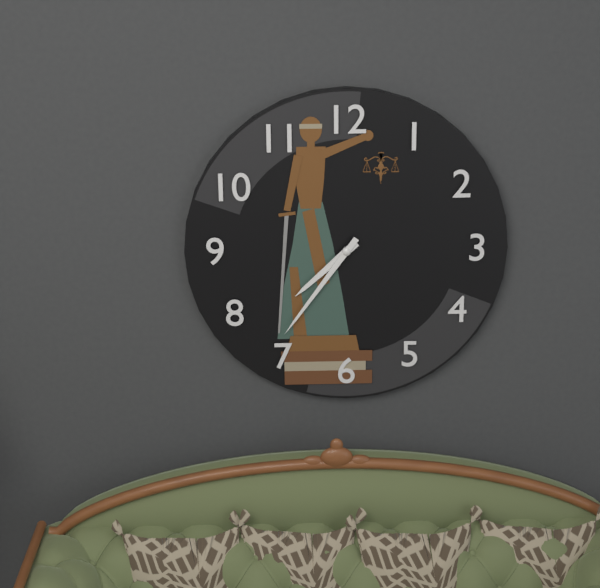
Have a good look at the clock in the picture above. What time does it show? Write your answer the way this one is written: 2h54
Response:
7h36
